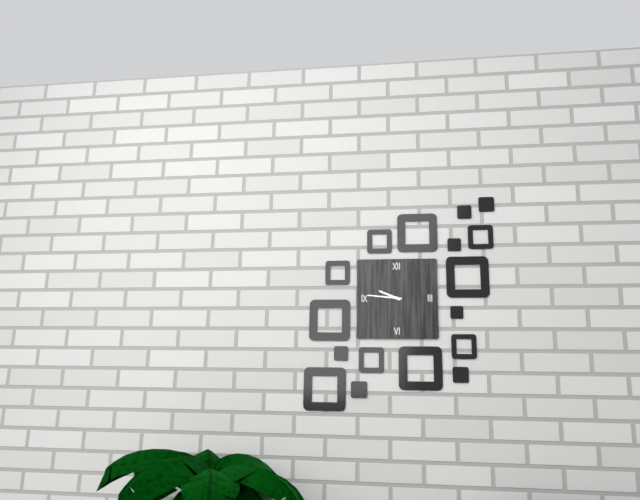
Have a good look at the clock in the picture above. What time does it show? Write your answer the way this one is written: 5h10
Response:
9h46
